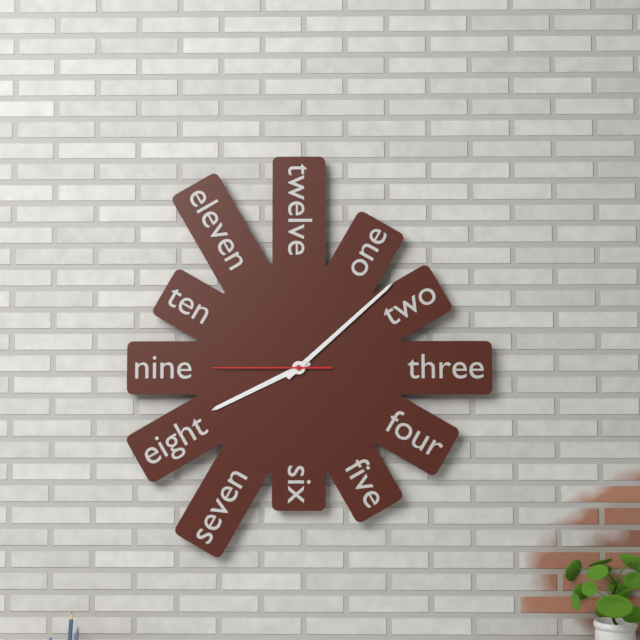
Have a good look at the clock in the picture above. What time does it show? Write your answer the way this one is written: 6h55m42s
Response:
8h08m45s
